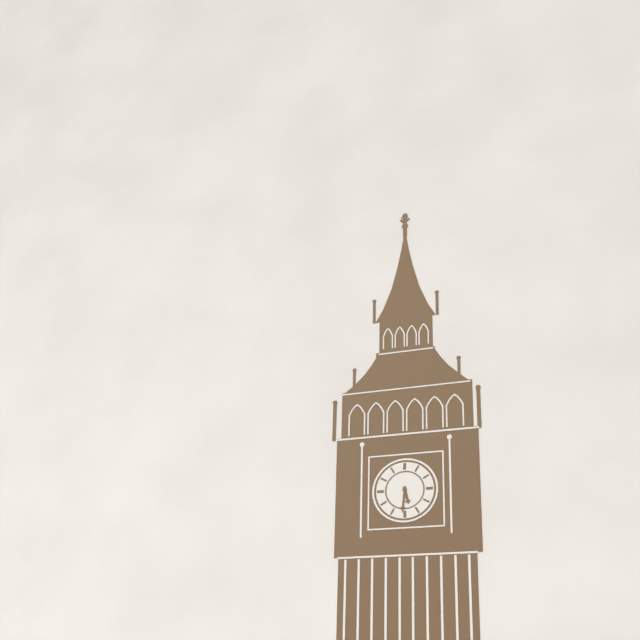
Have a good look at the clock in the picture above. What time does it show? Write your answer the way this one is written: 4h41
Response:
5h31
